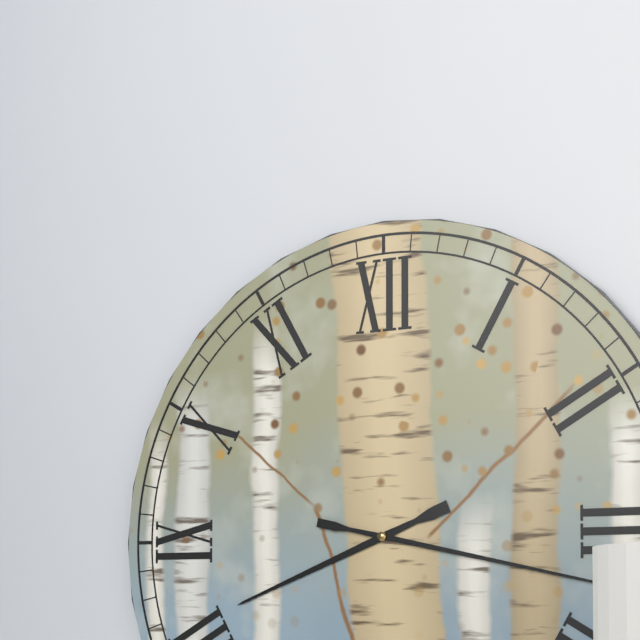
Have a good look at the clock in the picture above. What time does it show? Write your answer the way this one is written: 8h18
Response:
8h17
